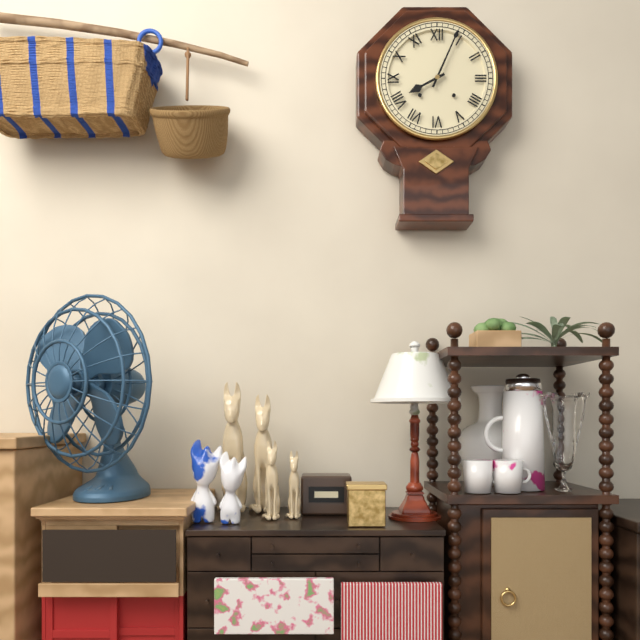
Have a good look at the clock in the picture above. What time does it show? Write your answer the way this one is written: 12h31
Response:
8h04
